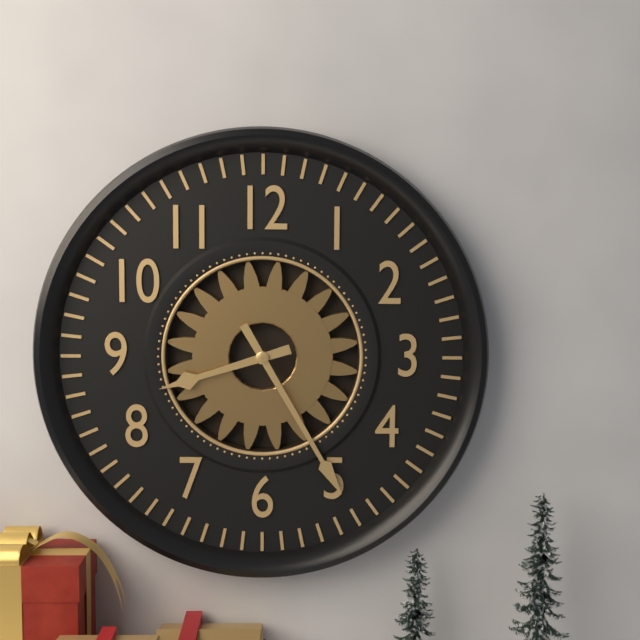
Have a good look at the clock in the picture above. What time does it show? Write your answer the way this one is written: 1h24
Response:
8h25
